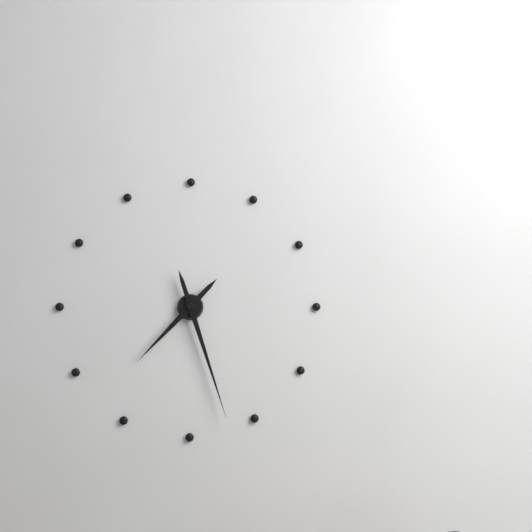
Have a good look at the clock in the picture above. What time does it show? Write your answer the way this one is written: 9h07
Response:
7h27
